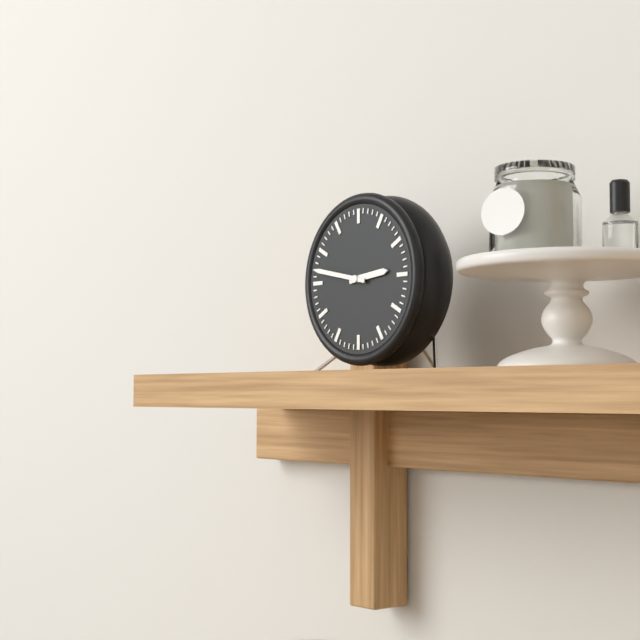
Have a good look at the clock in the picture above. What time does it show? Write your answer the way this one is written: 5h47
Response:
2h47
